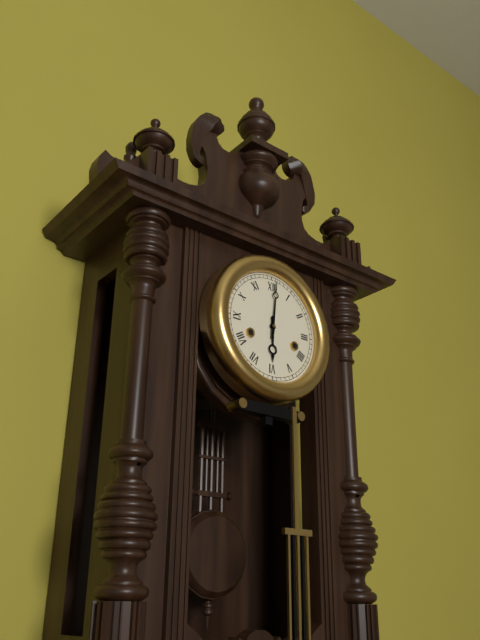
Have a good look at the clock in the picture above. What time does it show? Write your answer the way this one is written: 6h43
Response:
6h01
